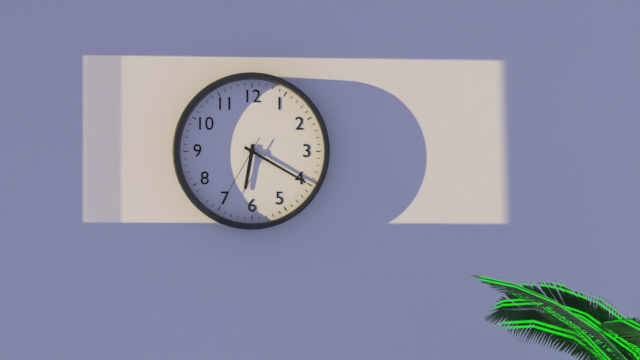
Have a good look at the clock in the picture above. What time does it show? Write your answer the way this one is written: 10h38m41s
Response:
6h20m35s
